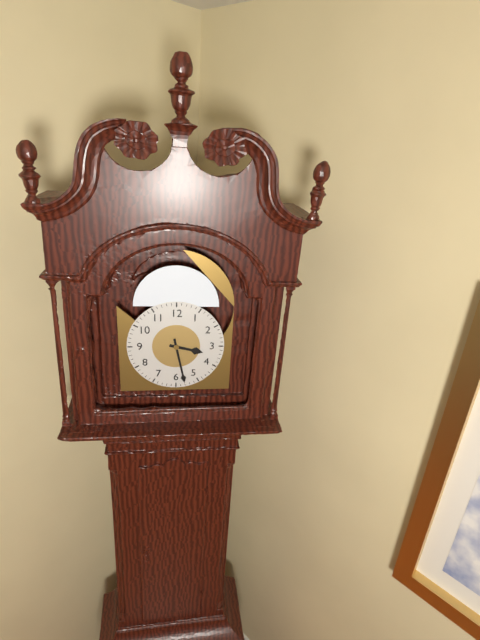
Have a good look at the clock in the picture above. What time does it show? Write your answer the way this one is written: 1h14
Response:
3h28
